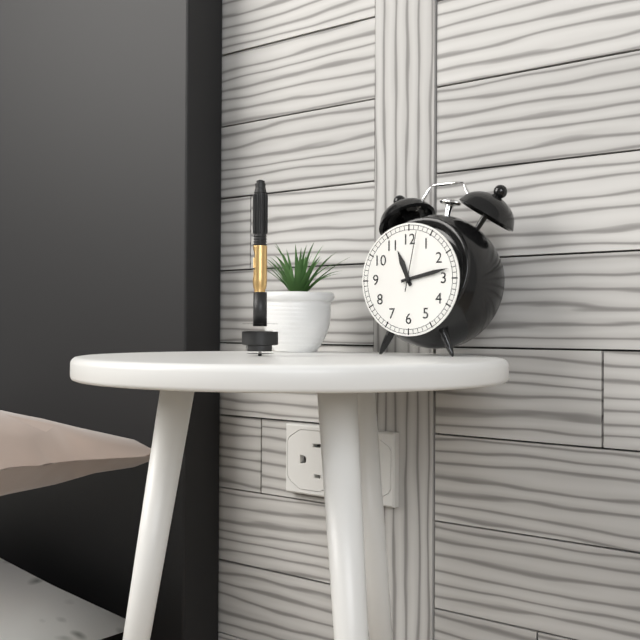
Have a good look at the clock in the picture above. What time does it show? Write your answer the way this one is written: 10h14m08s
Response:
11h13m02s
